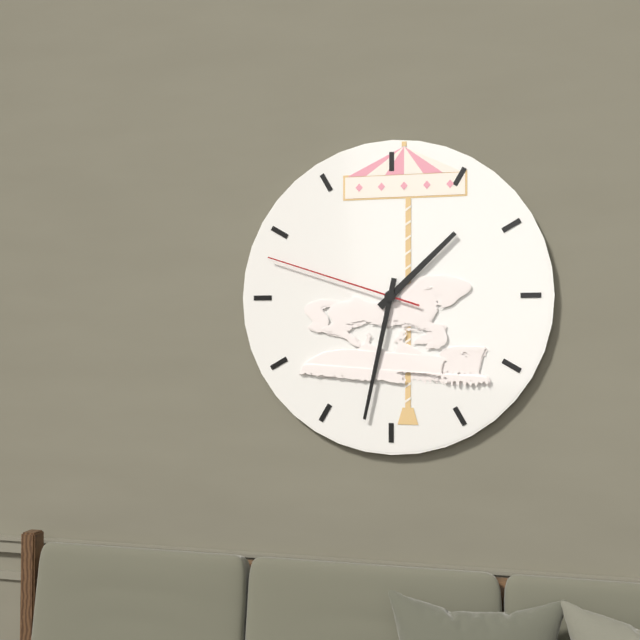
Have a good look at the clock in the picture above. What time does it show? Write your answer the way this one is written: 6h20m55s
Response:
1h32m48s
